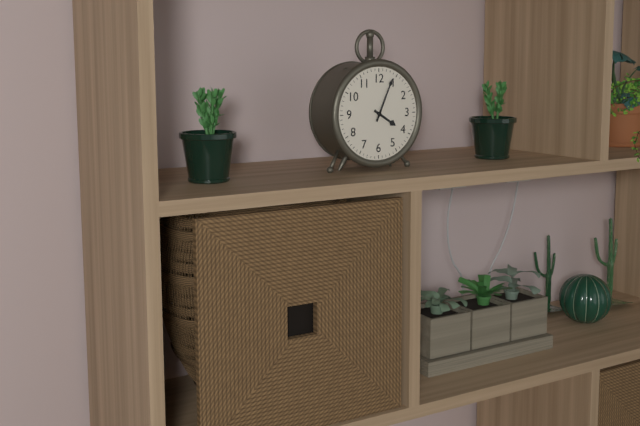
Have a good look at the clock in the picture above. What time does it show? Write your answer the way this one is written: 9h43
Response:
4h04
